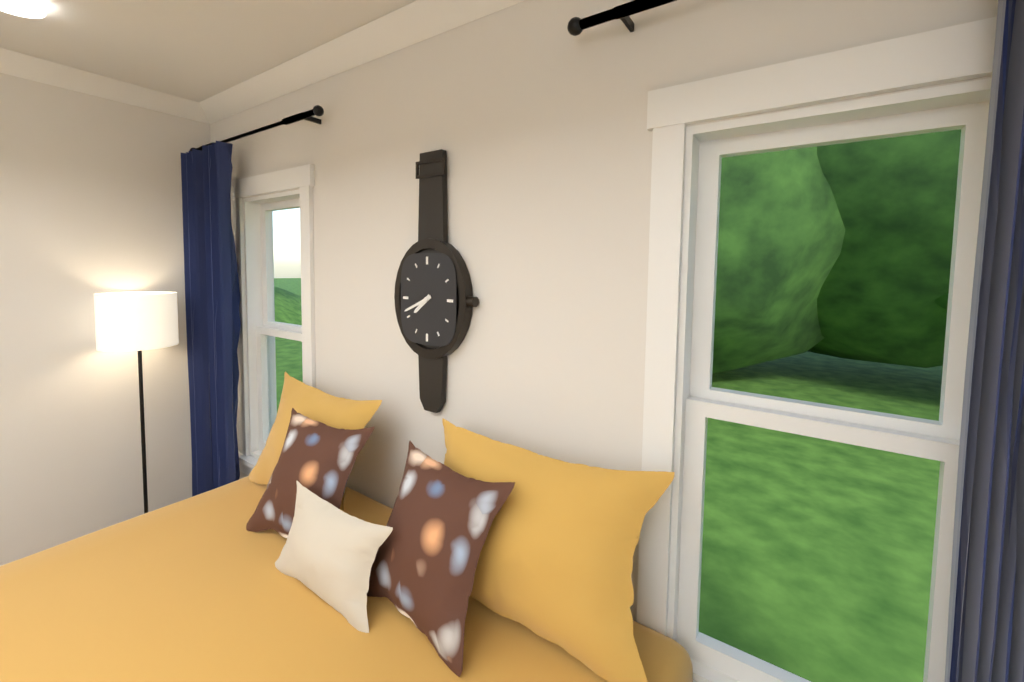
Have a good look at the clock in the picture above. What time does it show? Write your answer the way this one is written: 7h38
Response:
7h41
